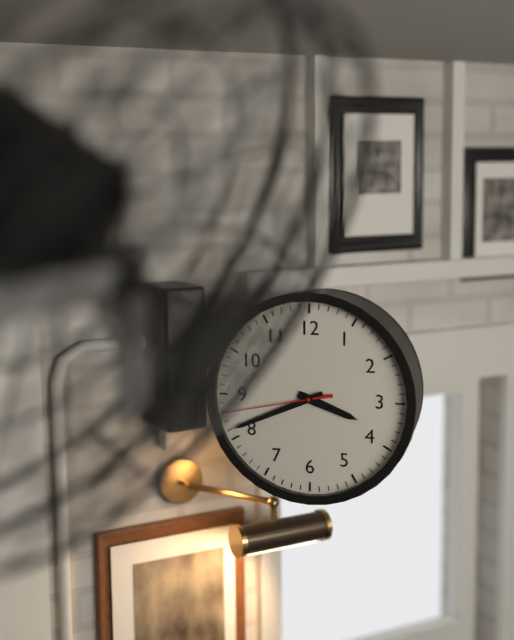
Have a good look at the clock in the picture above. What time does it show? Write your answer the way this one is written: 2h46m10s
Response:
3h41m43s
